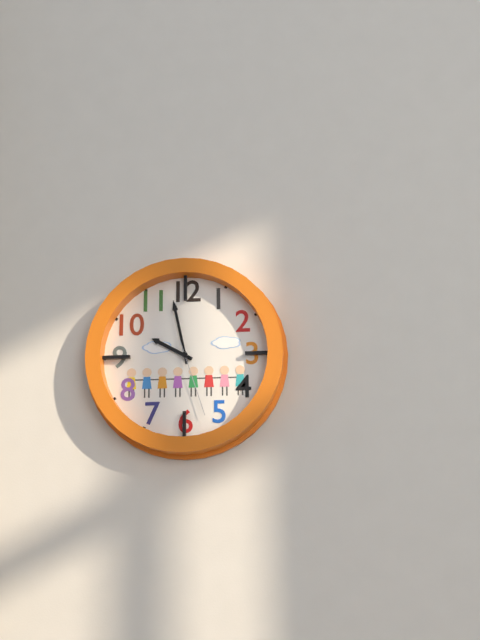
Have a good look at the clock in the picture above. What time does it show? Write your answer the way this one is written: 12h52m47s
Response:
9h58m27s
